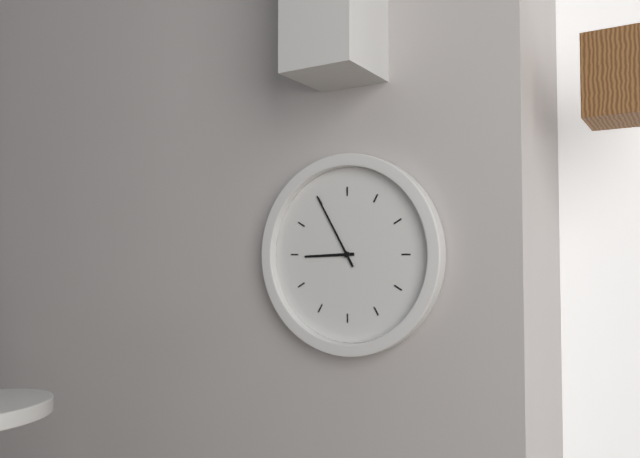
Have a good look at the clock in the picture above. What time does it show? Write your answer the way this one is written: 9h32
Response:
8h55
